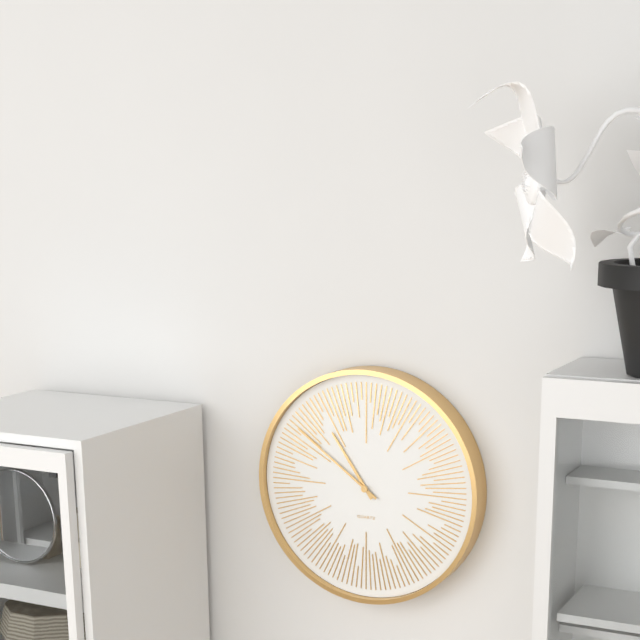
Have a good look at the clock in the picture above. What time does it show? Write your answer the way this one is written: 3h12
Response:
10h51
